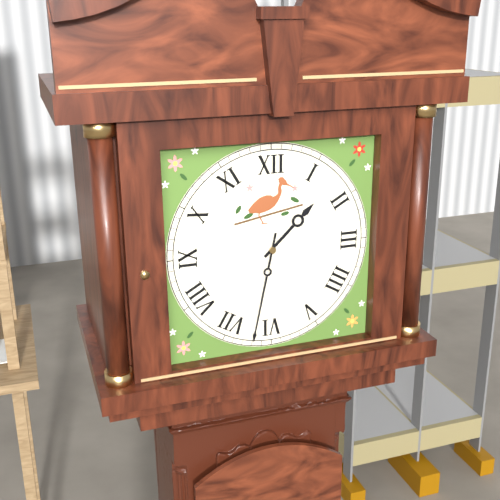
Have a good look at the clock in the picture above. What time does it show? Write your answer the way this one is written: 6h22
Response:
1h32
